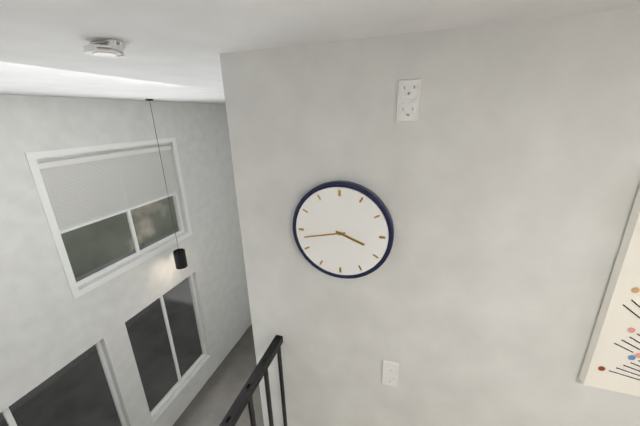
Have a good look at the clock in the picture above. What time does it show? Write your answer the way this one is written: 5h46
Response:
3h43
